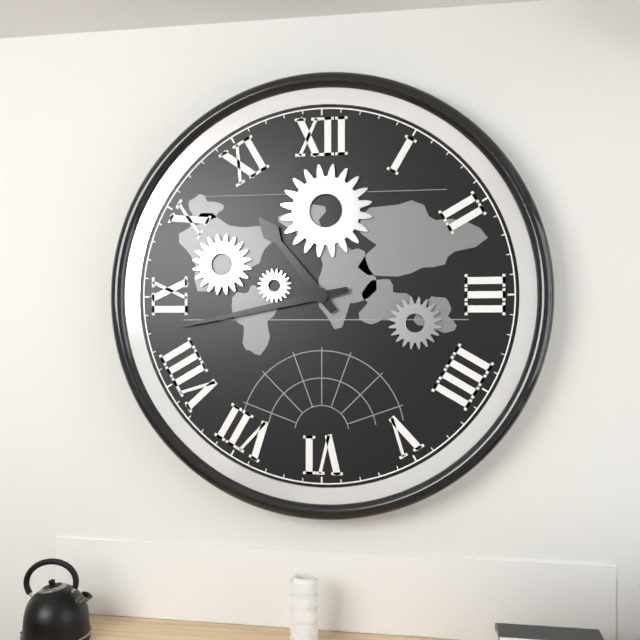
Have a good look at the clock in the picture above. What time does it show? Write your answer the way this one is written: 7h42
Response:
10h43
